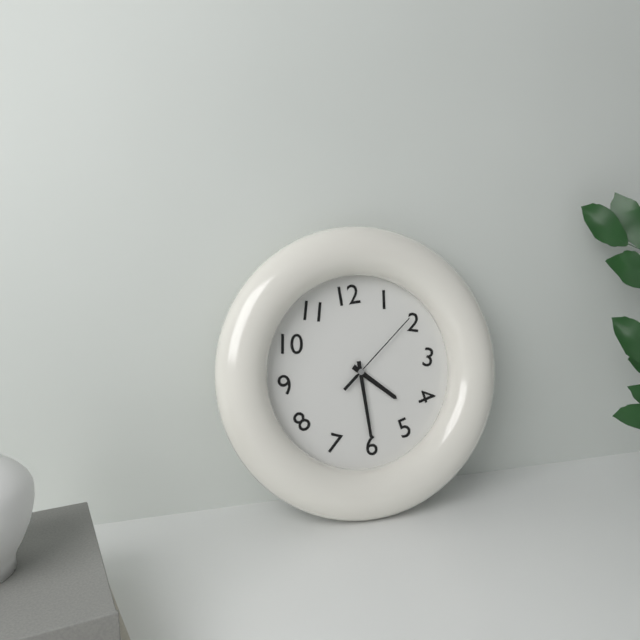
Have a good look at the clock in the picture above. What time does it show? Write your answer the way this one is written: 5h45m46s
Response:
4h30m09s
